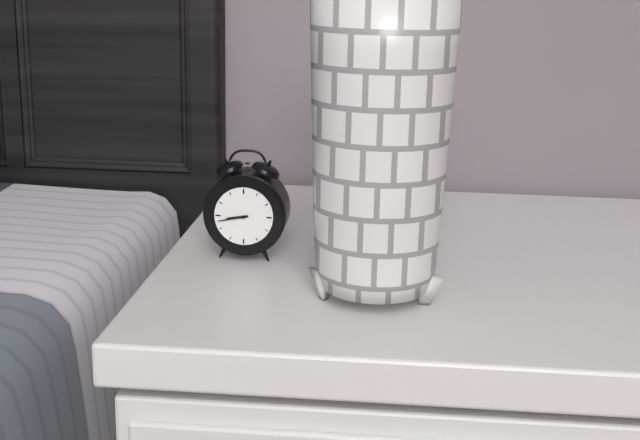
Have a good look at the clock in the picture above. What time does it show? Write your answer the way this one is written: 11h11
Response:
8h43
